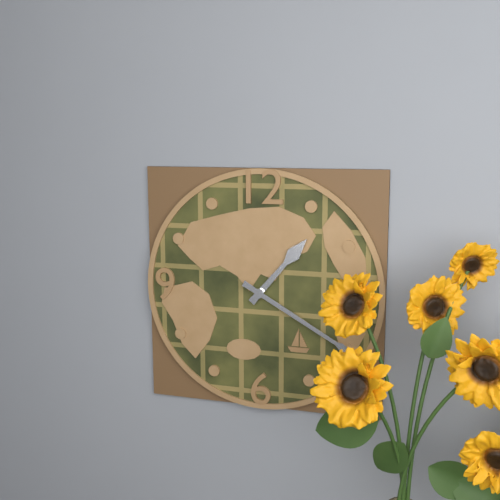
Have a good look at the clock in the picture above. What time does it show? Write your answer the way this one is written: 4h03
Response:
1h20
